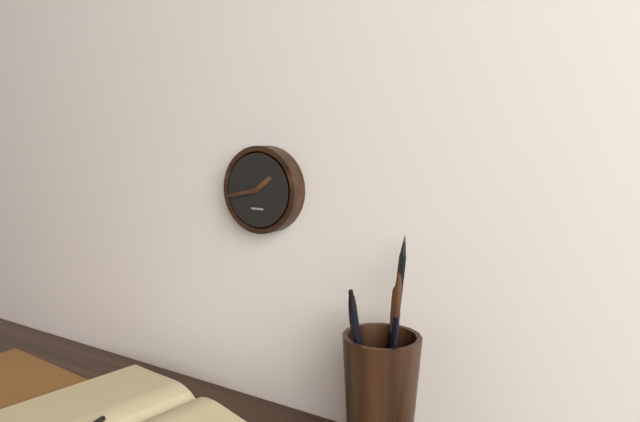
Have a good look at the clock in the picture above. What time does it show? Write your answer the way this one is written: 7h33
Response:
1h43
